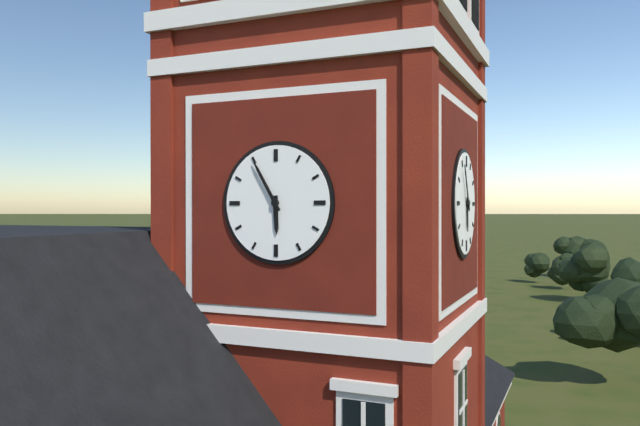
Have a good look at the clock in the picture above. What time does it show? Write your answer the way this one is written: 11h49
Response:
5h55
